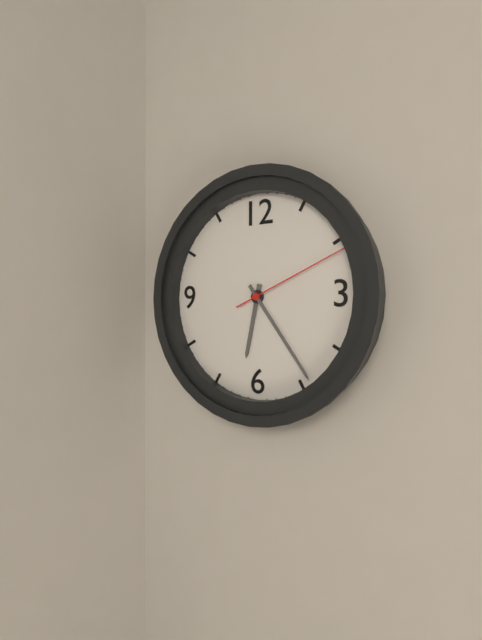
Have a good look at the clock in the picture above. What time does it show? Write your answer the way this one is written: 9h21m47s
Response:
6h24m11s
